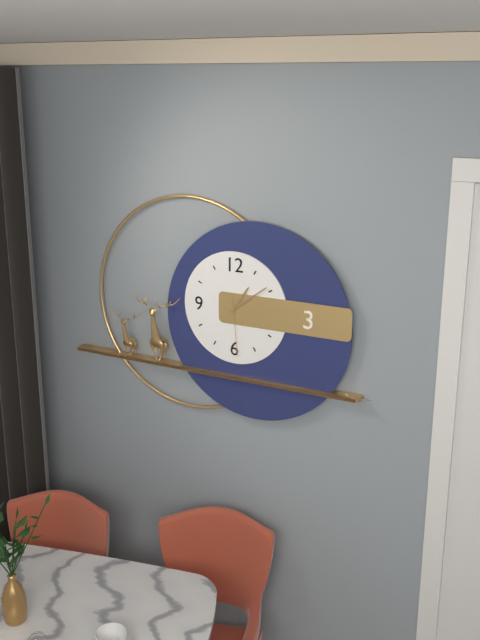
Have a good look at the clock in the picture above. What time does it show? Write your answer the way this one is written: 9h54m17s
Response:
1h09m29s
